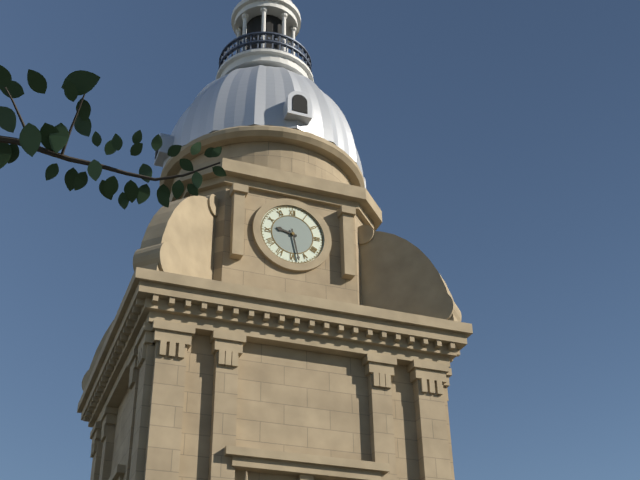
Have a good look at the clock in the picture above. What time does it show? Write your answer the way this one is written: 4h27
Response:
9h28
